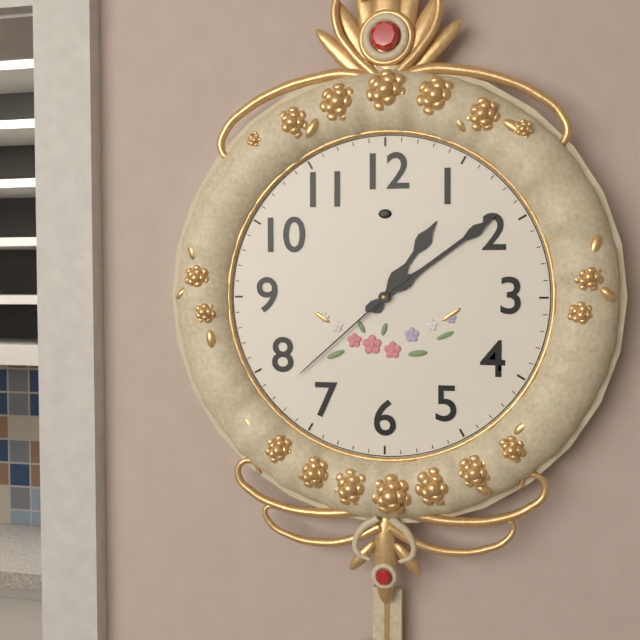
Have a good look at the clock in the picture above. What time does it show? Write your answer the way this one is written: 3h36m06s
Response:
1h09m38s
